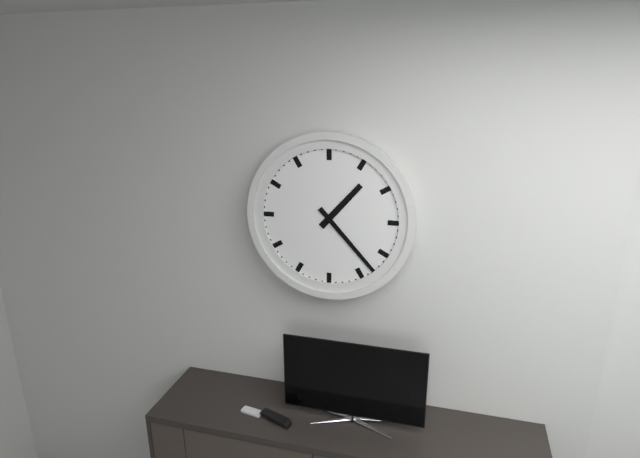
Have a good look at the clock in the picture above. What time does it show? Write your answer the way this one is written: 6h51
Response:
1h23
